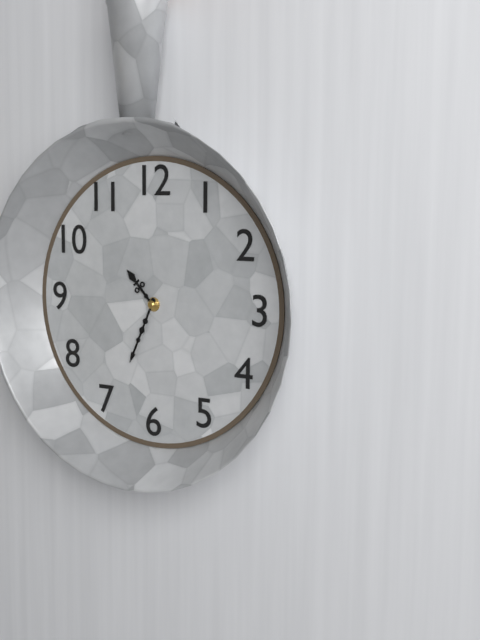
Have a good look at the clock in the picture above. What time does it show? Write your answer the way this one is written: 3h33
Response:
10h34
